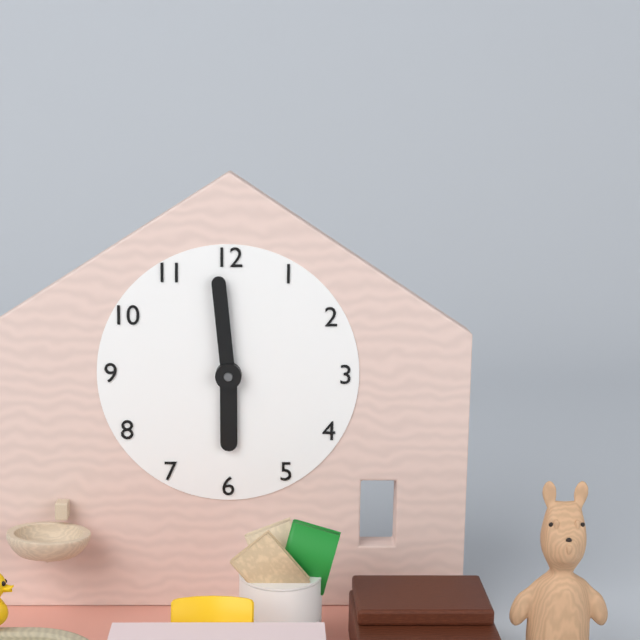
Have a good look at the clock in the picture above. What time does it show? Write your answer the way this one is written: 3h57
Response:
5h59
